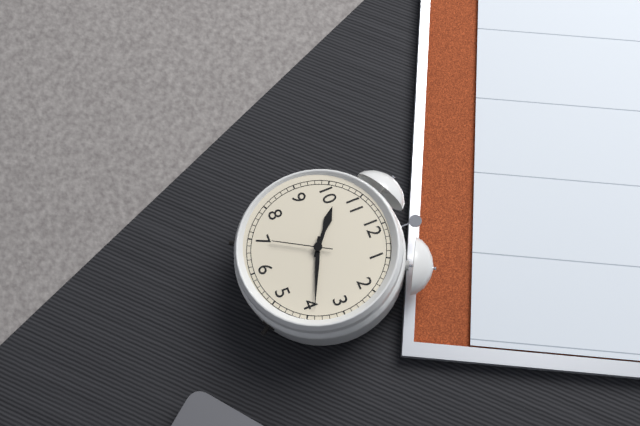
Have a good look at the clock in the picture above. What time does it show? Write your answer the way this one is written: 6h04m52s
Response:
10h19m35s
